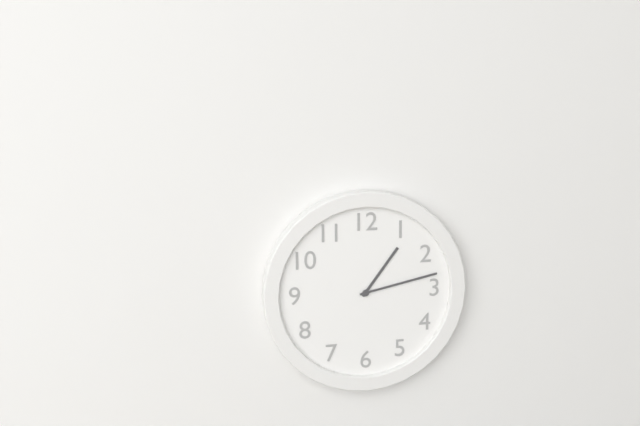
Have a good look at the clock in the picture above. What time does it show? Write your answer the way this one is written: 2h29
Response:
1h13
